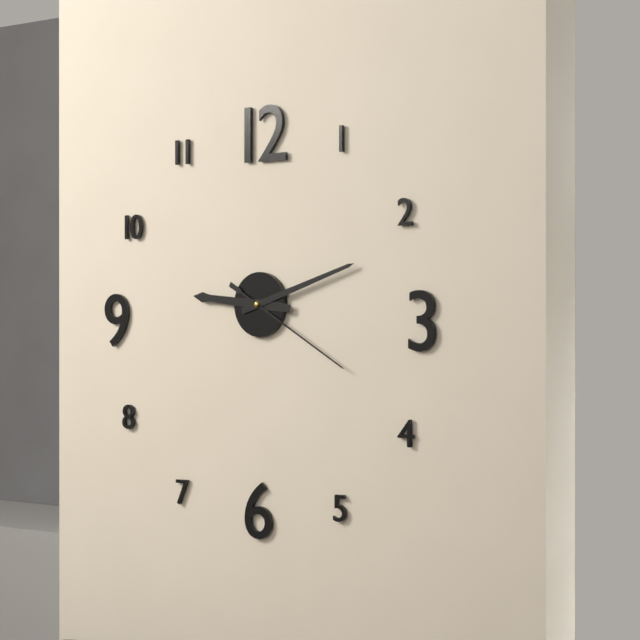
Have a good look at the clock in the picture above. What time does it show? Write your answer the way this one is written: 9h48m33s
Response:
9h12m20s
